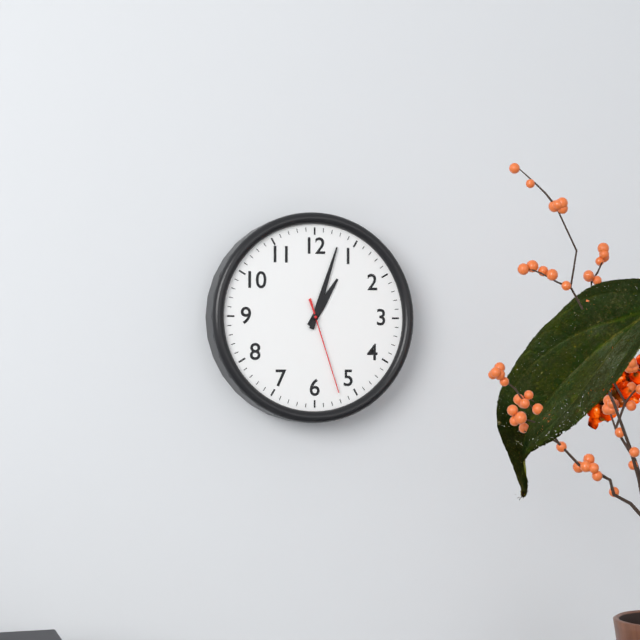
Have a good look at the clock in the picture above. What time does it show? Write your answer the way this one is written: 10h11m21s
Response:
1h03m27s
